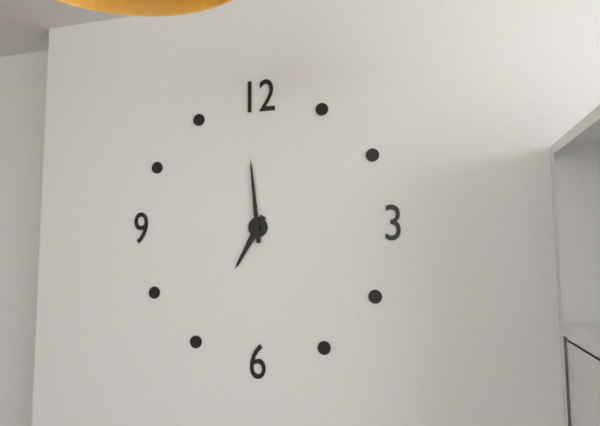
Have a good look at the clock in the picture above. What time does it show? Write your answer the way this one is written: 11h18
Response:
6h59
